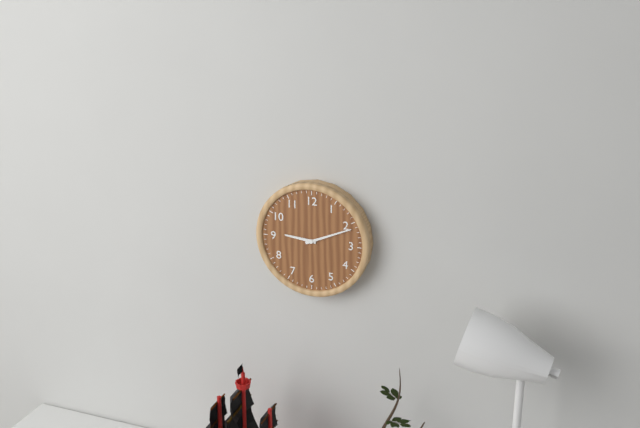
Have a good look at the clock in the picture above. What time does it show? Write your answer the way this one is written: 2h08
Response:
9h11
